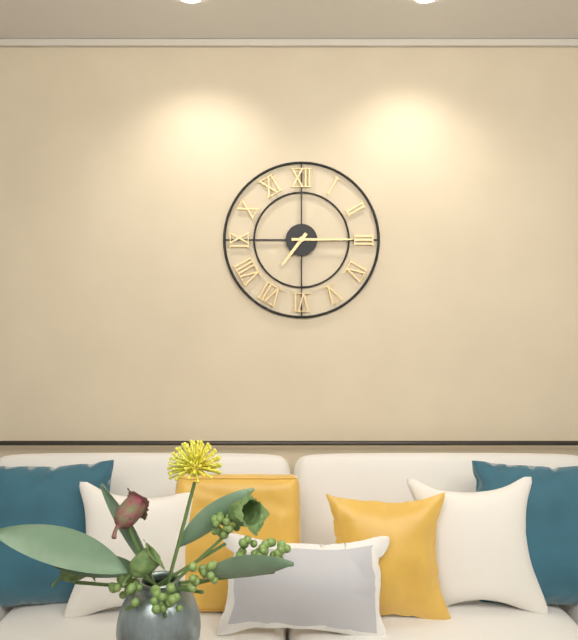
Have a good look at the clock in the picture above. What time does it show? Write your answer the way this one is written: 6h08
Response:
7h15
